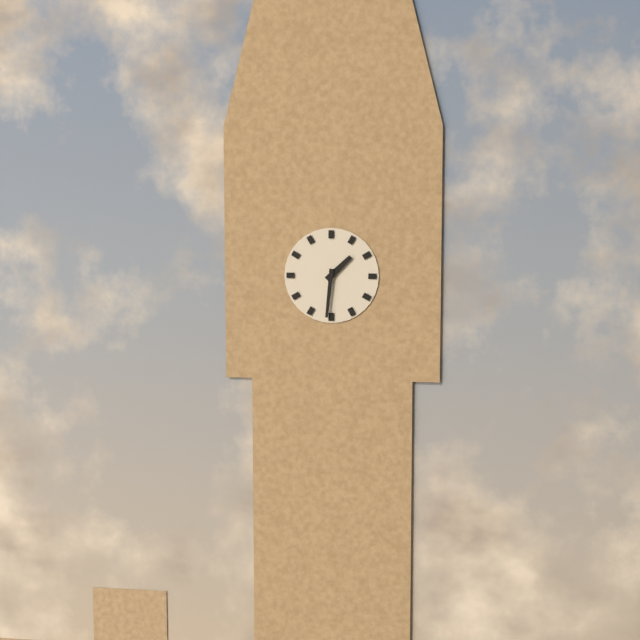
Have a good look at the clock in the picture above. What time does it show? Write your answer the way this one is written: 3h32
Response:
1h31
